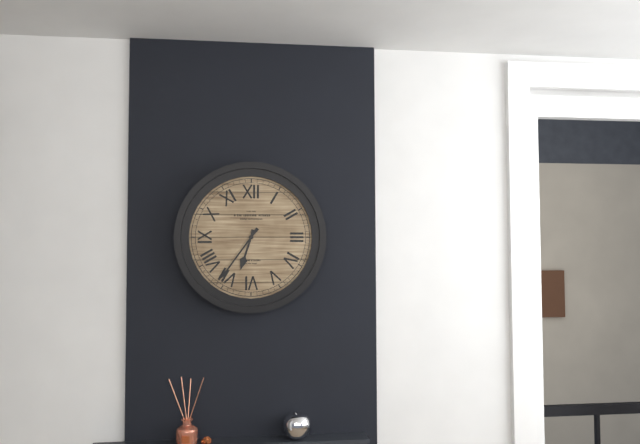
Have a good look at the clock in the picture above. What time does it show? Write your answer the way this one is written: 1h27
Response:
6h36
